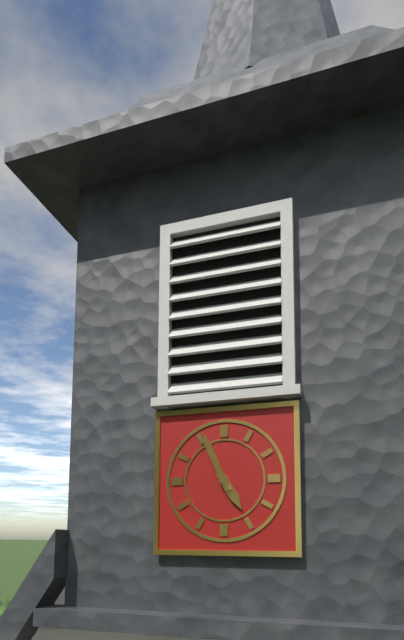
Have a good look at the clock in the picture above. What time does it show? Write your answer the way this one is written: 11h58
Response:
4h56
